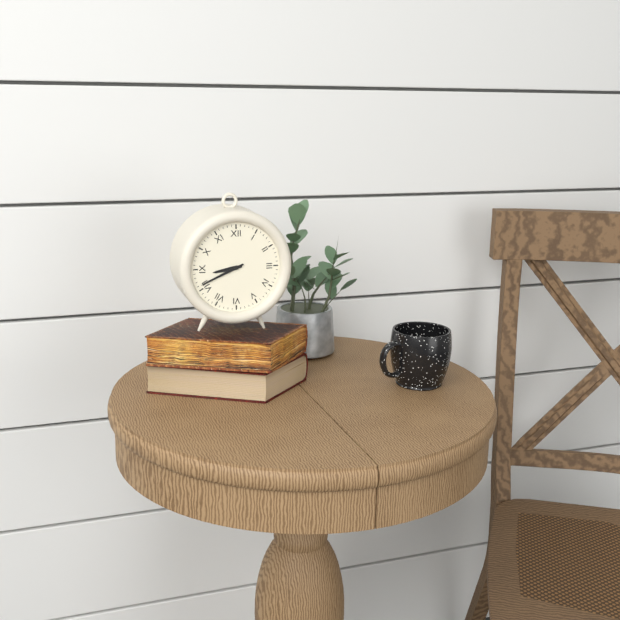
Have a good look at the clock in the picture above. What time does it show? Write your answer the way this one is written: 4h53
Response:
8h41
